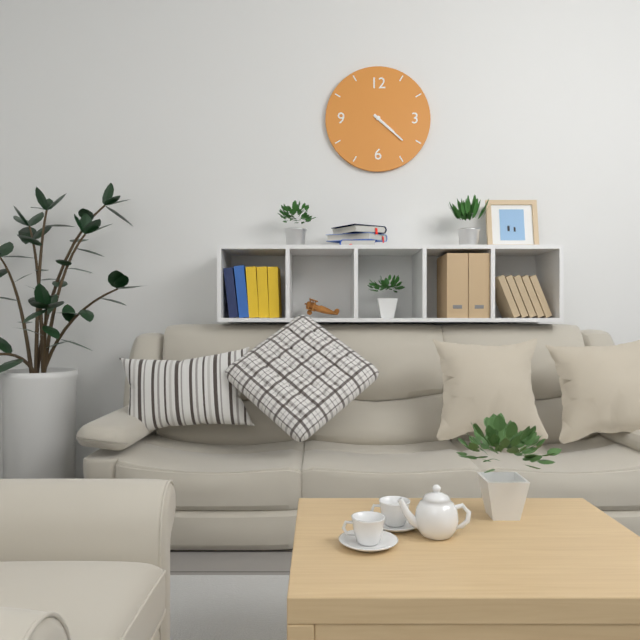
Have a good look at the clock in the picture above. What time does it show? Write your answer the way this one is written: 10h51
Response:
4h22
